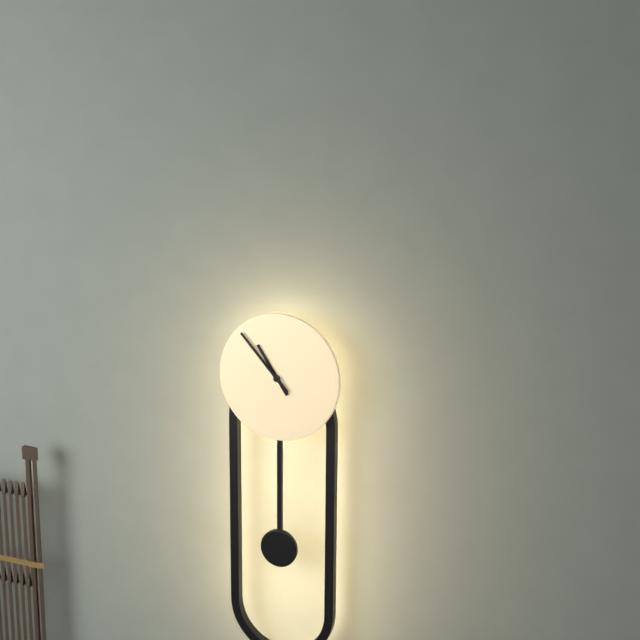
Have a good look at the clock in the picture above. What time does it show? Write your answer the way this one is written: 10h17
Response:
10h53
